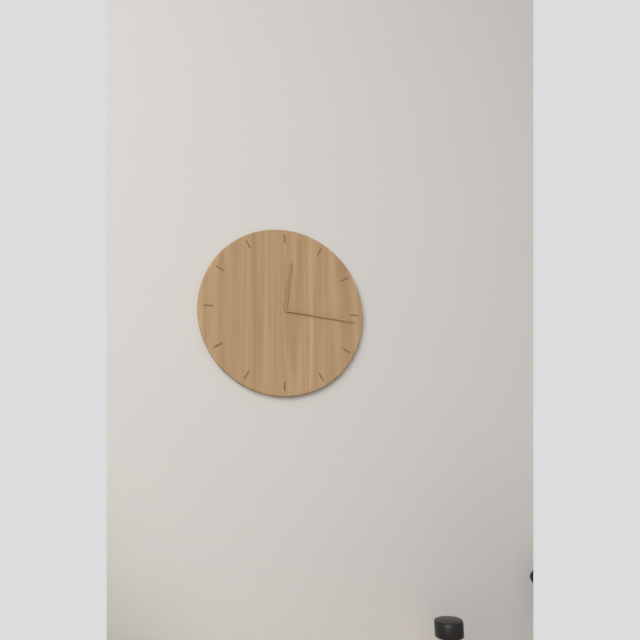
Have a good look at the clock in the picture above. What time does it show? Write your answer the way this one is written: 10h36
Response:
12h16
